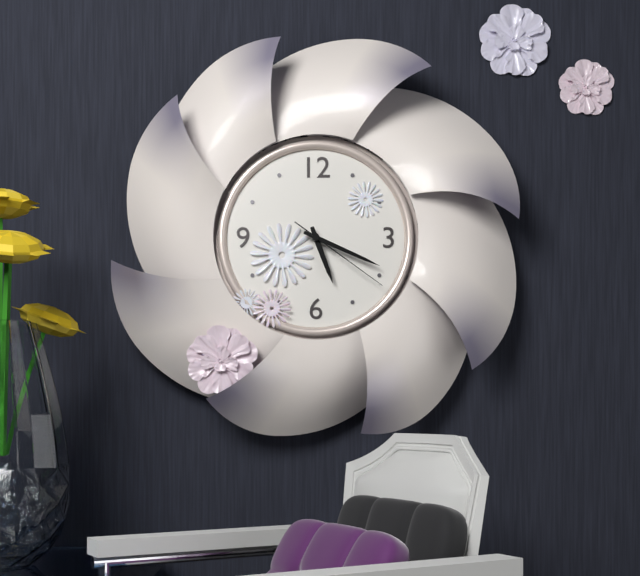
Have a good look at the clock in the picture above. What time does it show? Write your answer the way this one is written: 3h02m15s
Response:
5h19m21s
